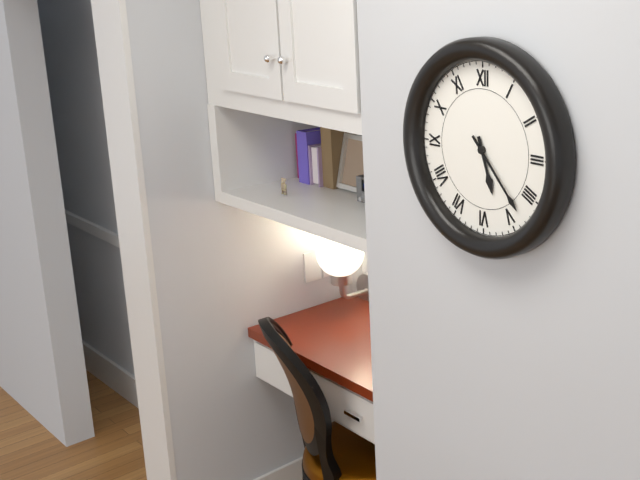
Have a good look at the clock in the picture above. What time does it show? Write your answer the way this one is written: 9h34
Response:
5h23
